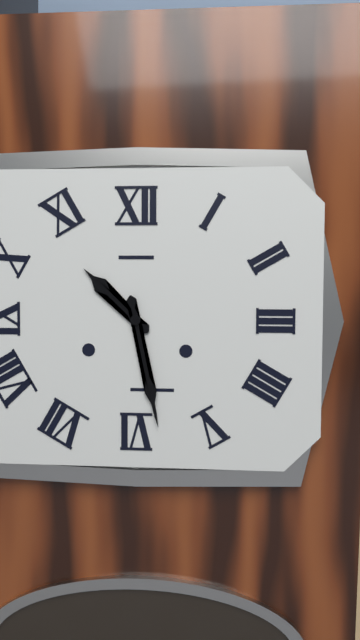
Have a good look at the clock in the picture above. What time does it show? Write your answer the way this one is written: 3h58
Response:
10h28
